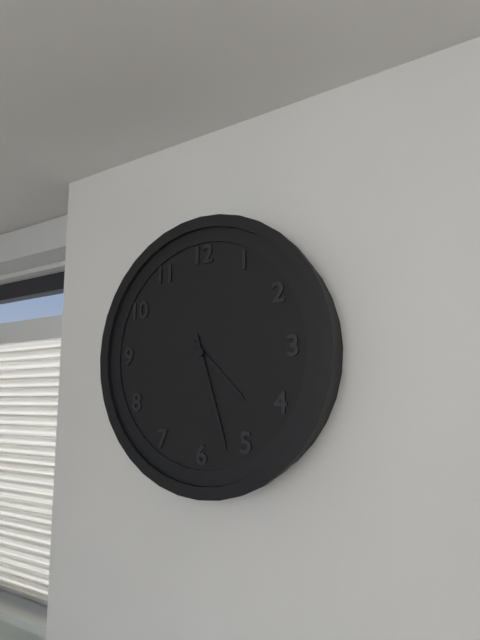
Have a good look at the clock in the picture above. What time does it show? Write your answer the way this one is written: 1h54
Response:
4h27
